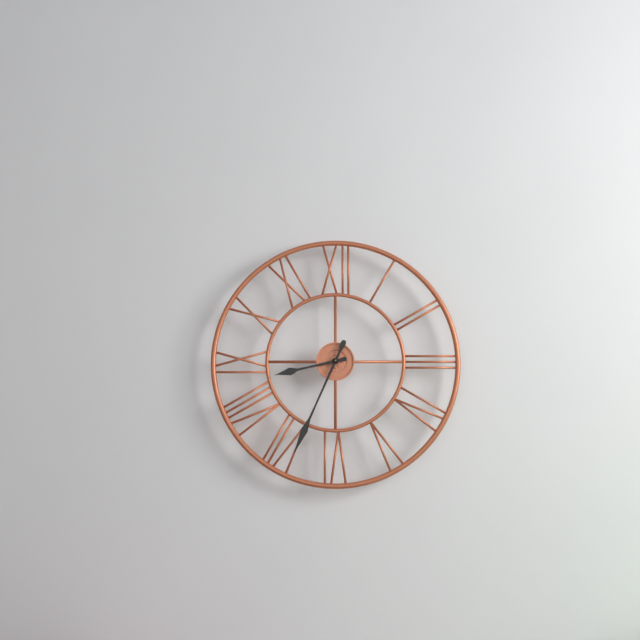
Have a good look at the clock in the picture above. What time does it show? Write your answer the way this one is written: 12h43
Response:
8h34
